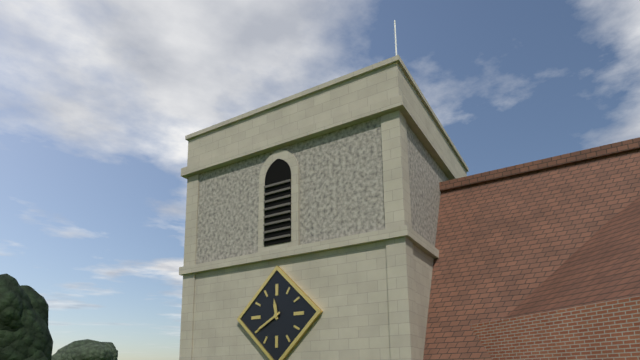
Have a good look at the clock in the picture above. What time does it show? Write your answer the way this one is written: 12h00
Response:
11h40
